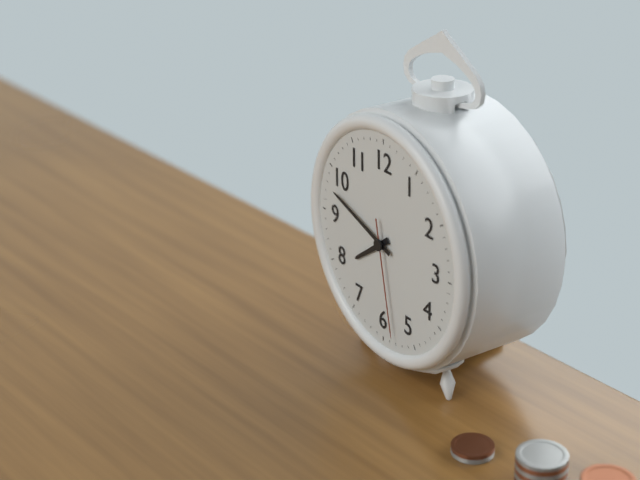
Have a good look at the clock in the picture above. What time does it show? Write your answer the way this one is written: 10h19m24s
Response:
7h48m28s
